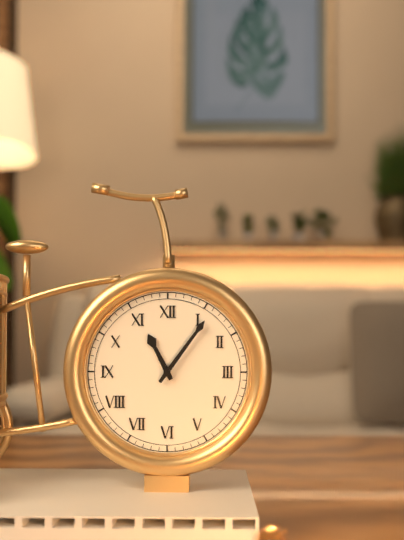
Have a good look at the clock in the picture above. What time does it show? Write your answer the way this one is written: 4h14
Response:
11h06
